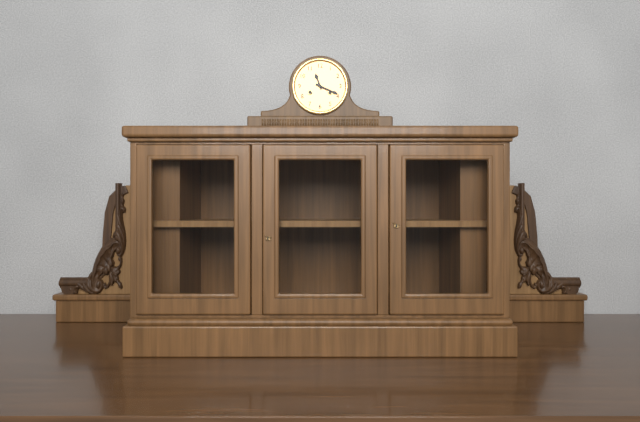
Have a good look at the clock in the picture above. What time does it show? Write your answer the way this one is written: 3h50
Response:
11h19
